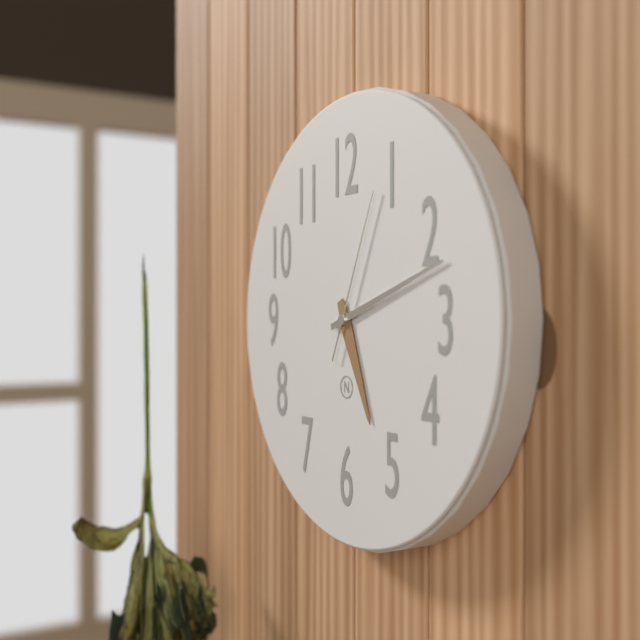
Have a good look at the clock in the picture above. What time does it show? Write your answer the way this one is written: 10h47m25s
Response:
5h12m04s
